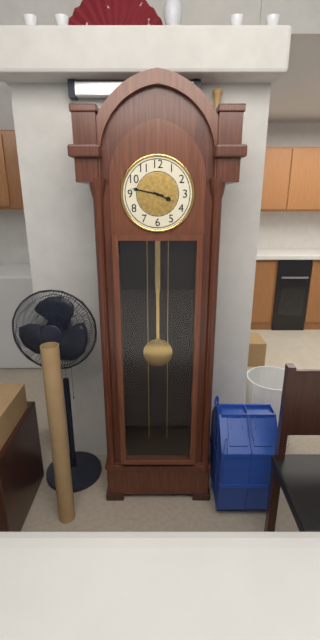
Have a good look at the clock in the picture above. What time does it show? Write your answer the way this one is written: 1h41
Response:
3h47
